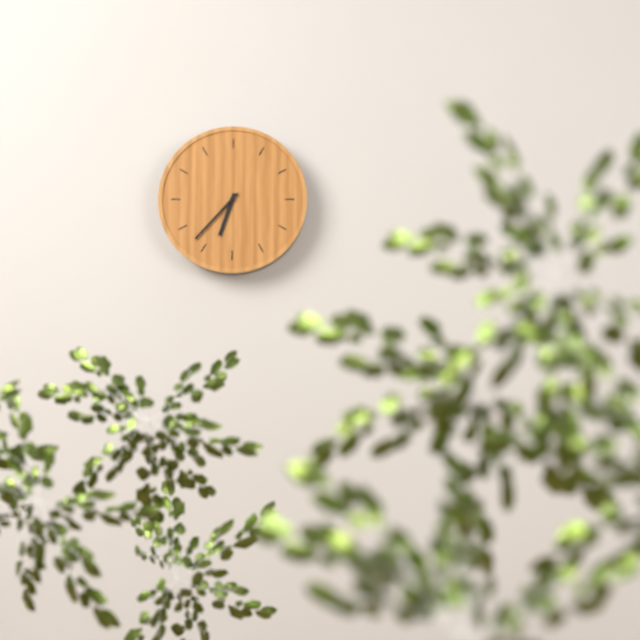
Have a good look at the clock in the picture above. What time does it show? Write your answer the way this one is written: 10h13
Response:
6h37
